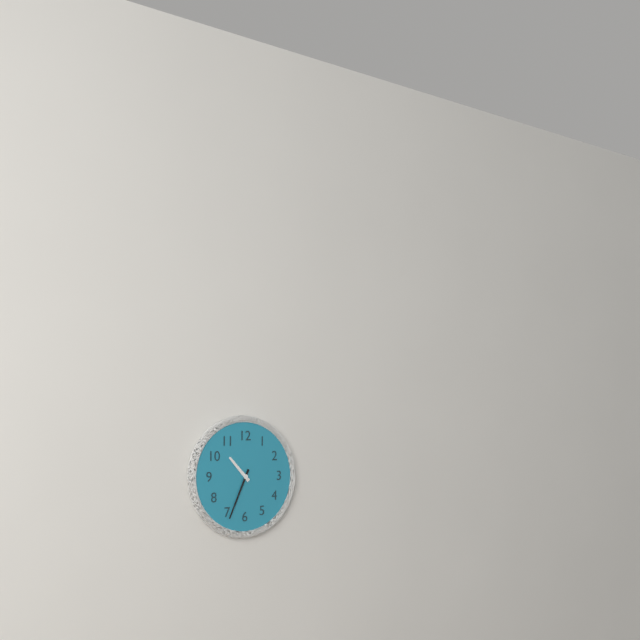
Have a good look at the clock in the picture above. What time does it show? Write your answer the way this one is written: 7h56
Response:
10h34
